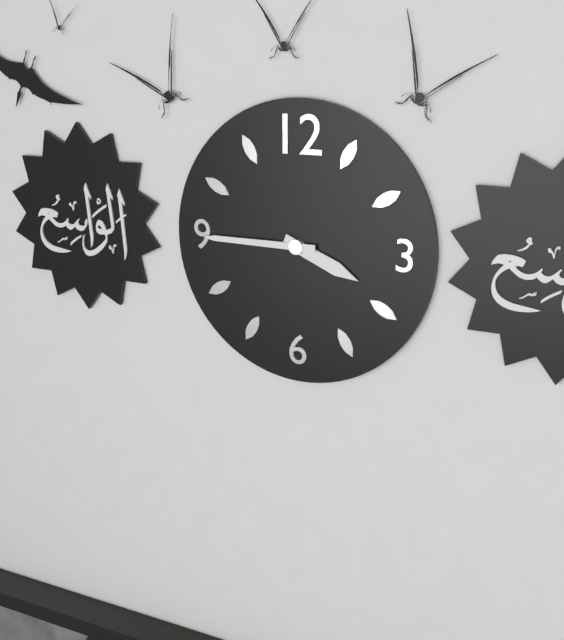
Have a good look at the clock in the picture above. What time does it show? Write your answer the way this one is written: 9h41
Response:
3h45
